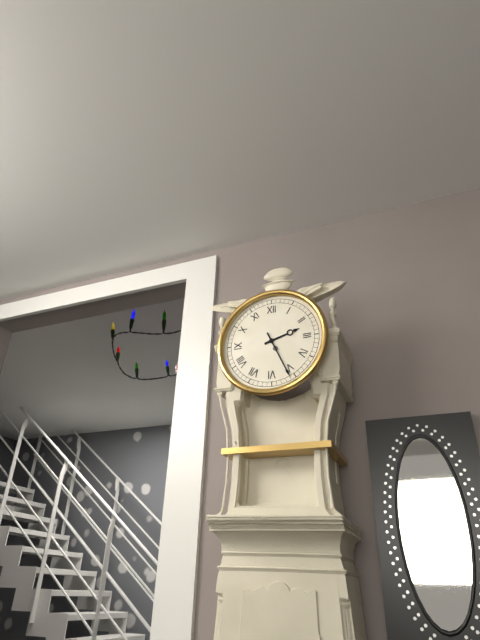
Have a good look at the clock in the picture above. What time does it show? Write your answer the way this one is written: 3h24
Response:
2h26
